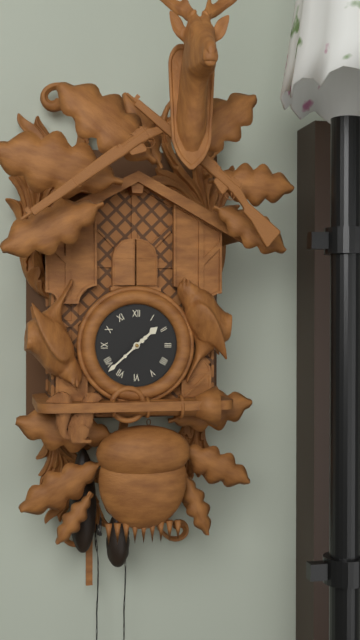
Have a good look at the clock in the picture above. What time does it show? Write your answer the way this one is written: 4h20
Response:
1h38
